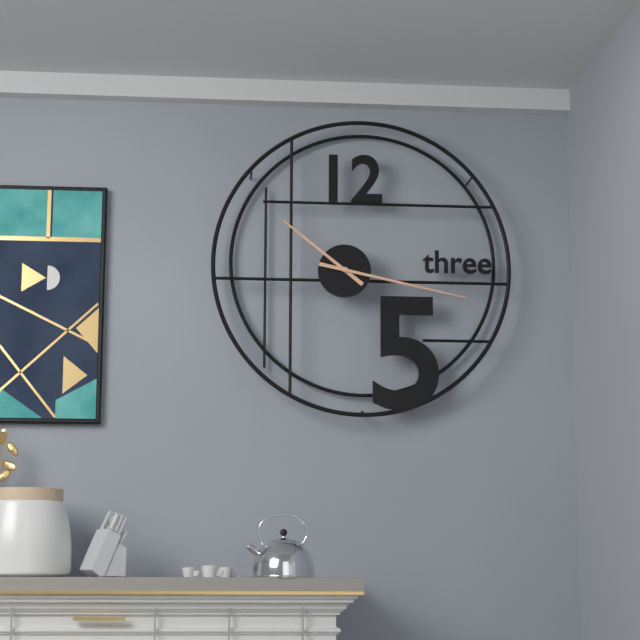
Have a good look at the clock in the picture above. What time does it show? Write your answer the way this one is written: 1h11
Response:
10h17
